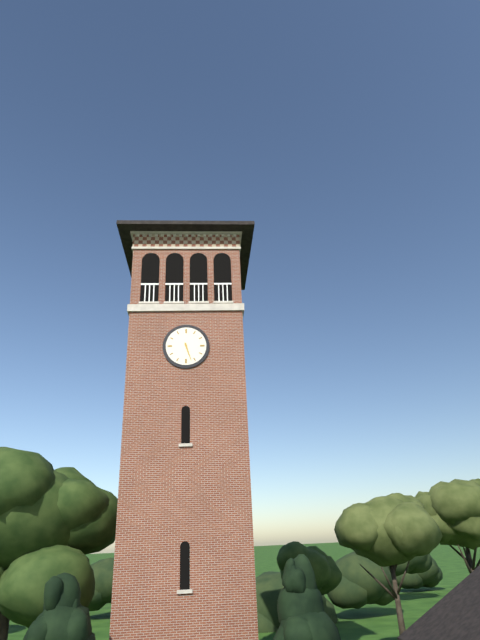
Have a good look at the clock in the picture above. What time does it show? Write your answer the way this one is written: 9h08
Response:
5h27
